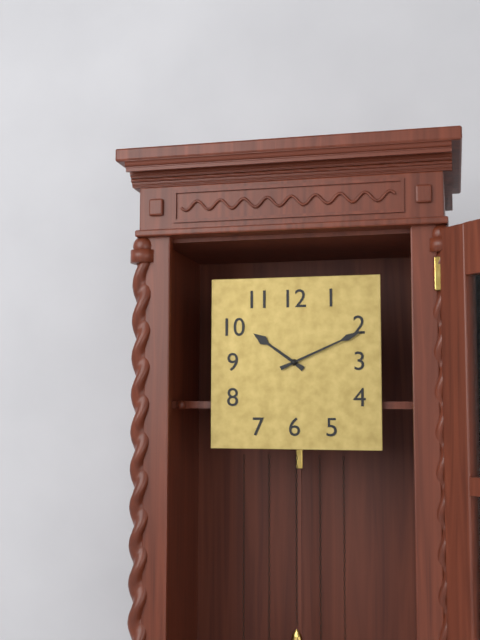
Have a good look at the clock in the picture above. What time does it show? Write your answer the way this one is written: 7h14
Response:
10h11
